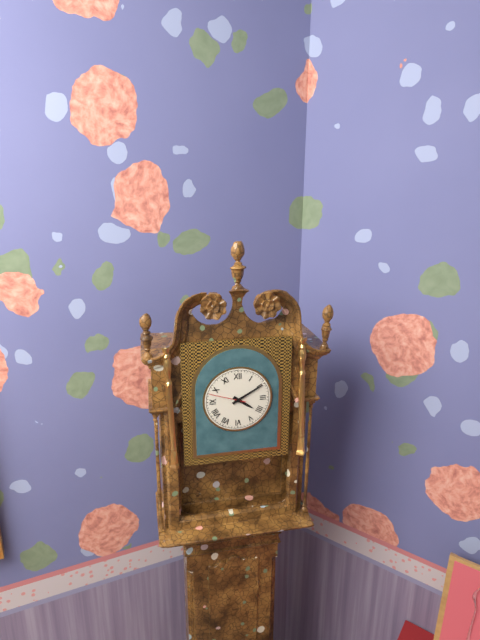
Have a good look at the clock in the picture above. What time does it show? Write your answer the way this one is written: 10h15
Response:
4h10
